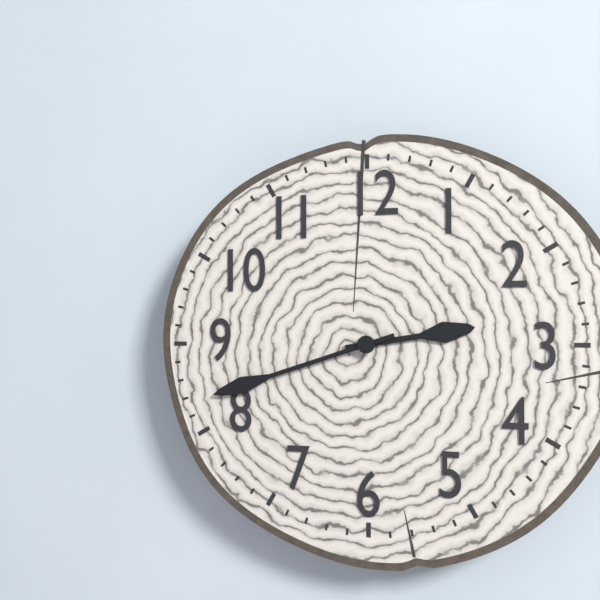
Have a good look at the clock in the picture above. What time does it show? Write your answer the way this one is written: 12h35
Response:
2h42
